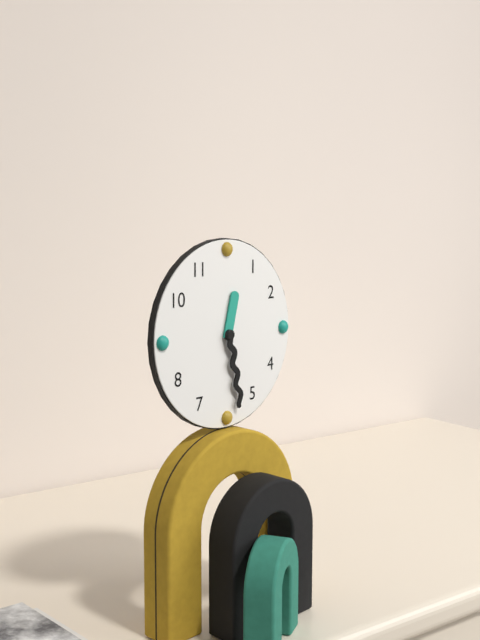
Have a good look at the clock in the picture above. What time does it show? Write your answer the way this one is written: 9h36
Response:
12h28
